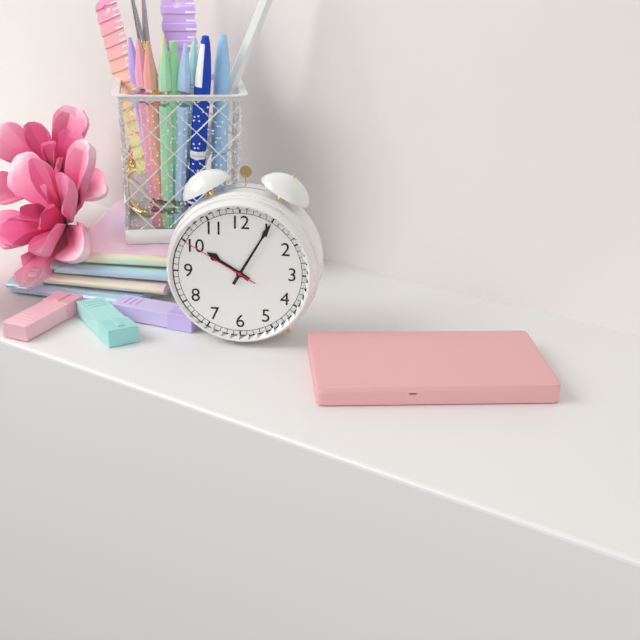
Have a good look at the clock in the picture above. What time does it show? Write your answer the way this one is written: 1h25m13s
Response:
10h05m50s
